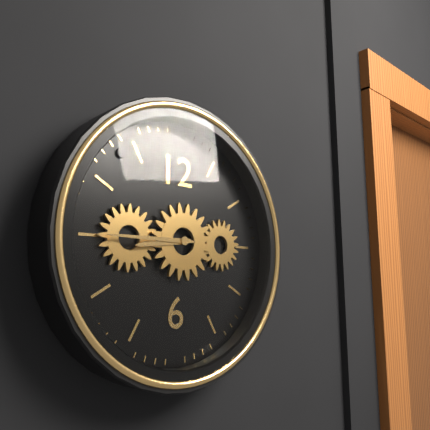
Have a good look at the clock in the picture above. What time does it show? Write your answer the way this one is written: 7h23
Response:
8h45
